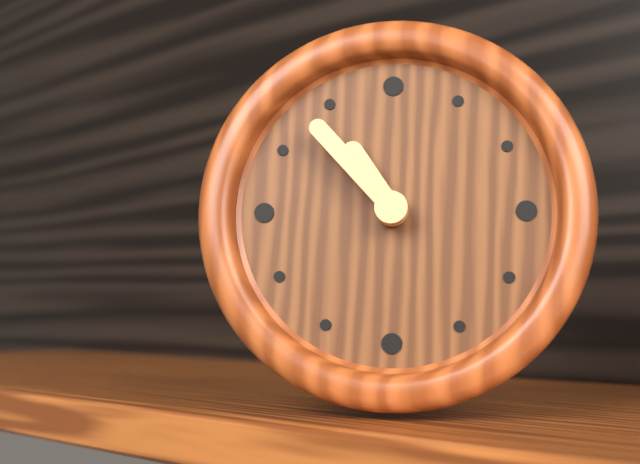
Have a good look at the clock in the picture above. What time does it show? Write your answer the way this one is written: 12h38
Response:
10h53
